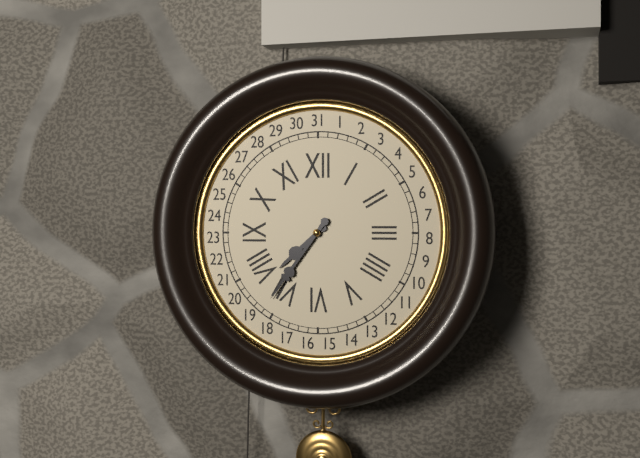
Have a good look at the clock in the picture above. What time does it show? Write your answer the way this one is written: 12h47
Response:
7h36
